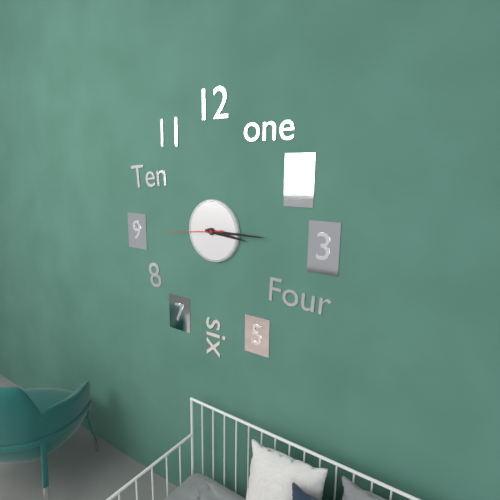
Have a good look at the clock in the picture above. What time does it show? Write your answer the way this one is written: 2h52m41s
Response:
3h15m44s
